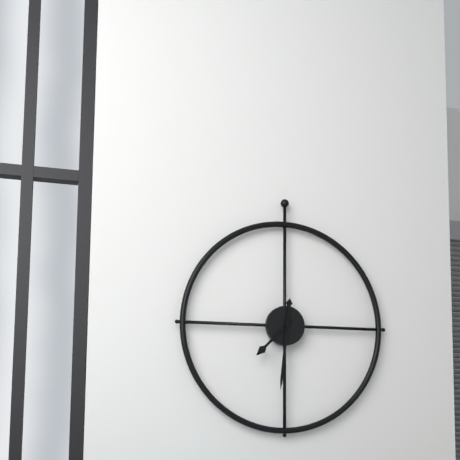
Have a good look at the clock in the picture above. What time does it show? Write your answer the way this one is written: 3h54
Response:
7h31
